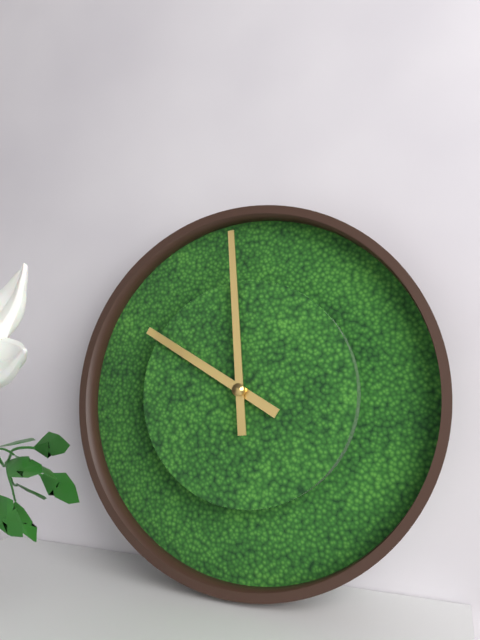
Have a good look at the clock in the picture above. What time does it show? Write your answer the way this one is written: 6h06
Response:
9h59
